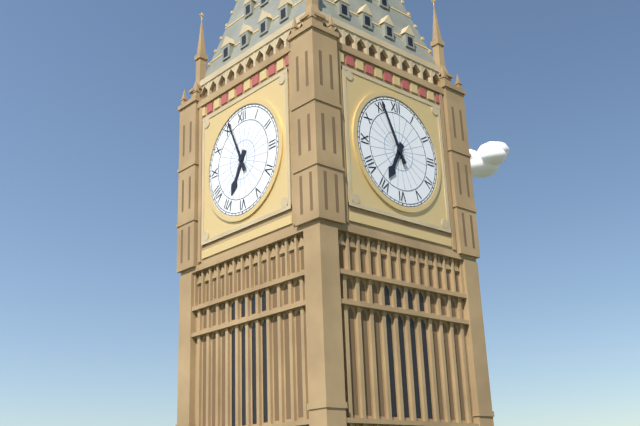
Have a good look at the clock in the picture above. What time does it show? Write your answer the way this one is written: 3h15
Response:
6h56
